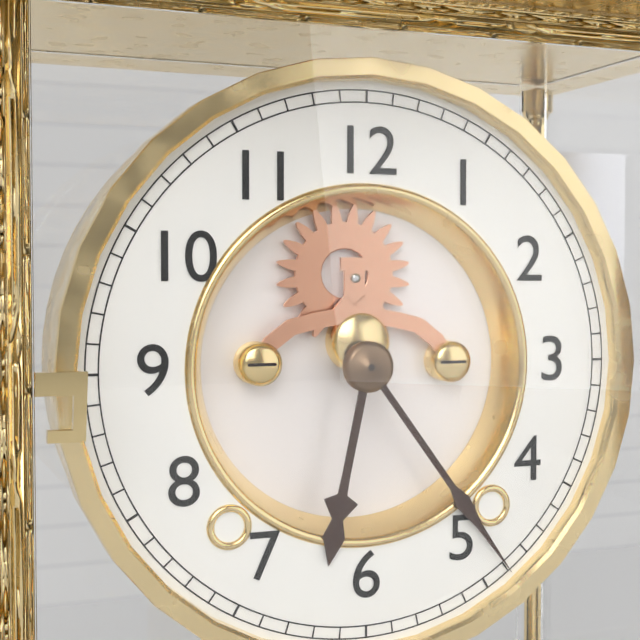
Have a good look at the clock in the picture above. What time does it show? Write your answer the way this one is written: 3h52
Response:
6h24
